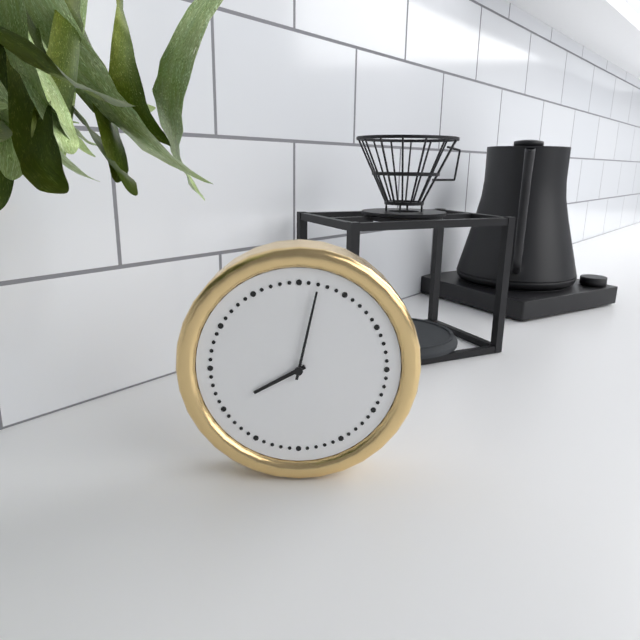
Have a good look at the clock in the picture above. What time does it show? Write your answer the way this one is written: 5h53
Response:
8h02
